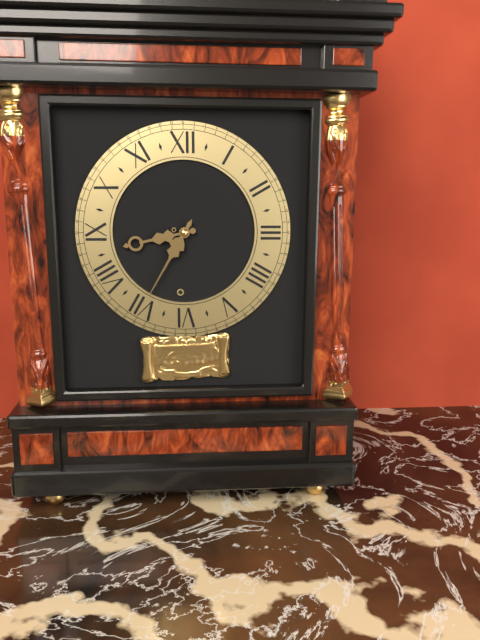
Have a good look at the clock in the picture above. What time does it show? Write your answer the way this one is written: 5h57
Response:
8h35
